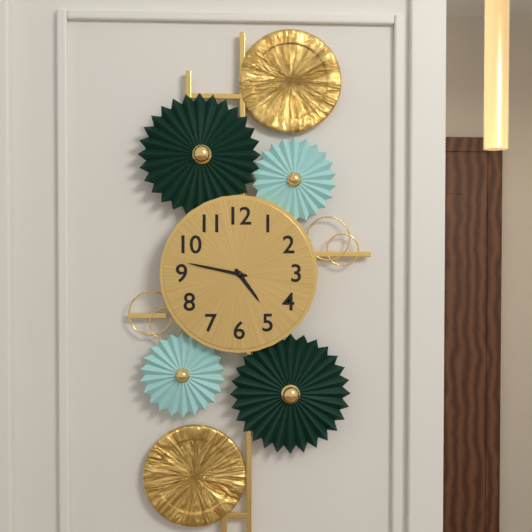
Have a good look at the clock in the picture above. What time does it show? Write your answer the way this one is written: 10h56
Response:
4h47
